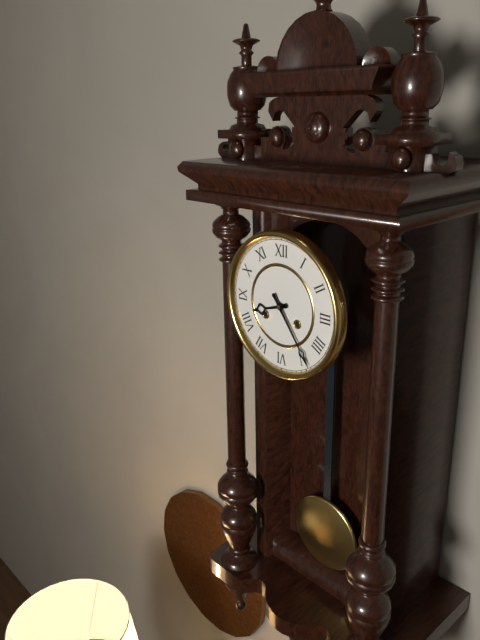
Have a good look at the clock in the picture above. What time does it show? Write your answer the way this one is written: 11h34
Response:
8h24
